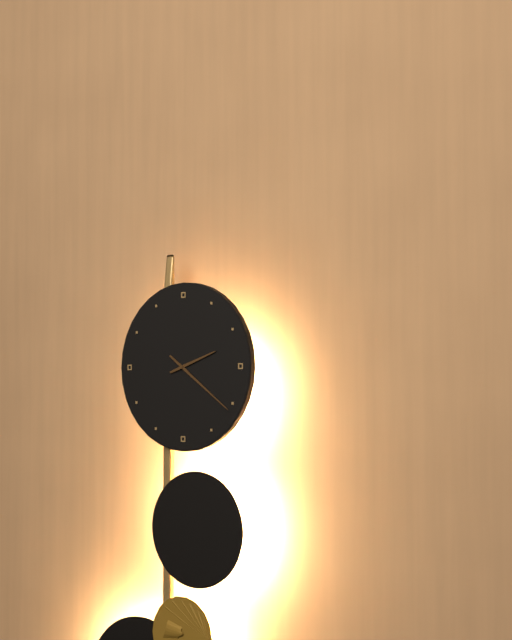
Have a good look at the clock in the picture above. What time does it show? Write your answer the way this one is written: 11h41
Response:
2h21
